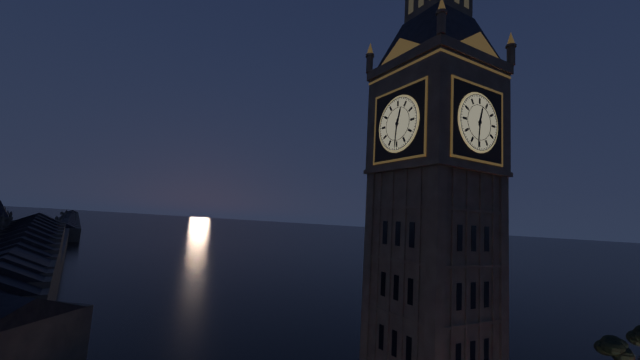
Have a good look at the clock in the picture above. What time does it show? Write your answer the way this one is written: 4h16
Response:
12h31
